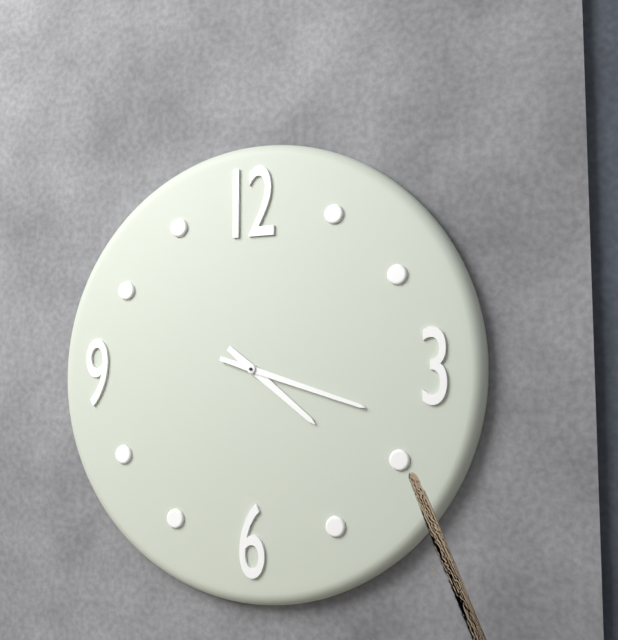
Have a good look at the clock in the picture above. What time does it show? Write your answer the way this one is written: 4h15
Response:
4h18
